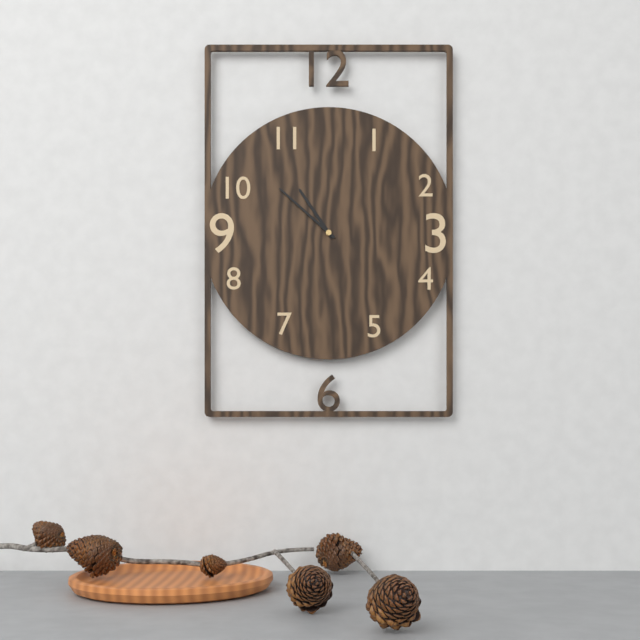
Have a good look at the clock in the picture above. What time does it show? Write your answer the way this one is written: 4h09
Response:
10h52
